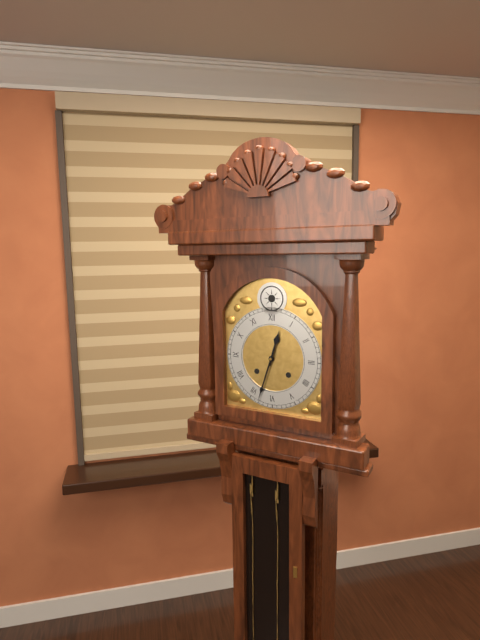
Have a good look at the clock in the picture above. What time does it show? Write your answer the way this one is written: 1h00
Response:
12h33
